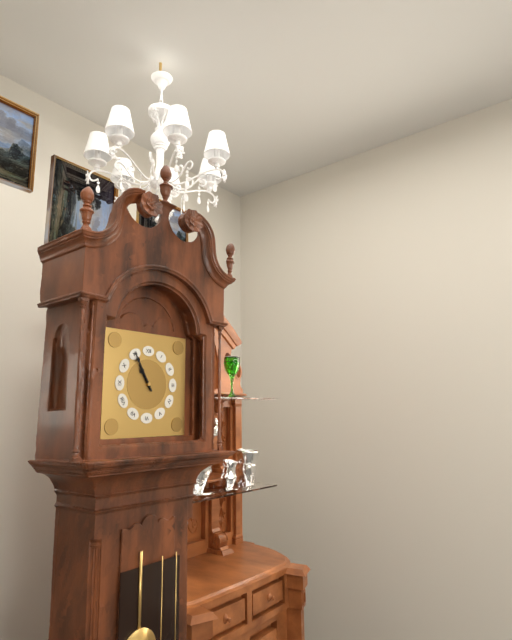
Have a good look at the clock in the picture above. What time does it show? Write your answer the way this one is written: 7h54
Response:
10h55
